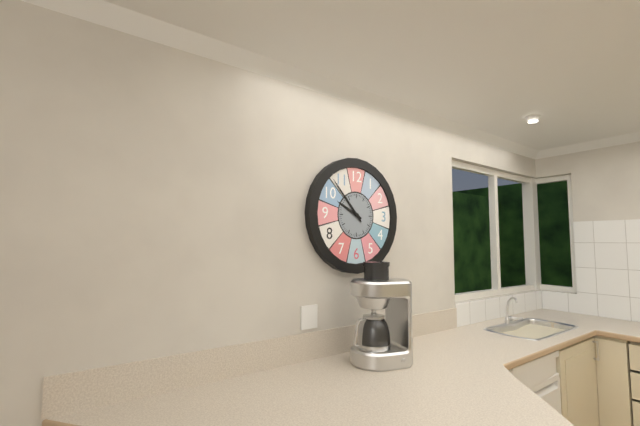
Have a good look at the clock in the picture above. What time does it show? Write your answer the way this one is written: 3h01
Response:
9h53
